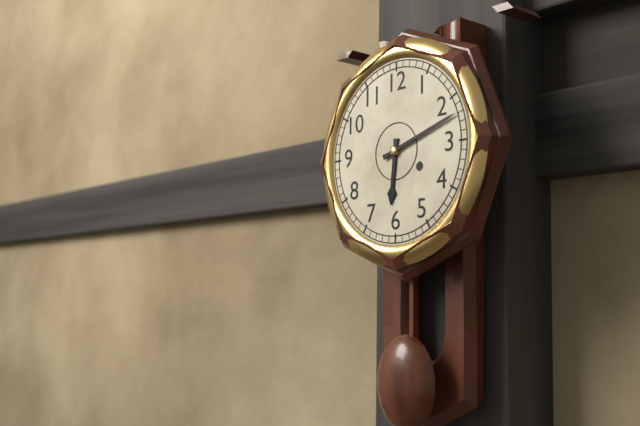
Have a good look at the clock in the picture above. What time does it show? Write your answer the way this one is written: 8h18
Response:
6h12
